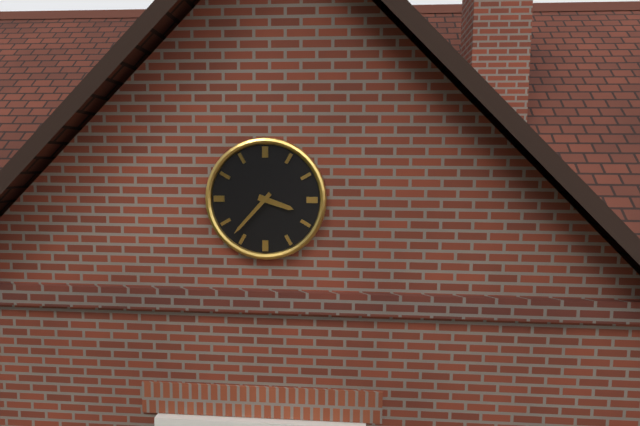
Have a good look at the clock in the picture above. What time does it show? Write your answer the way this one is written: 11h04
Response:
3h37
